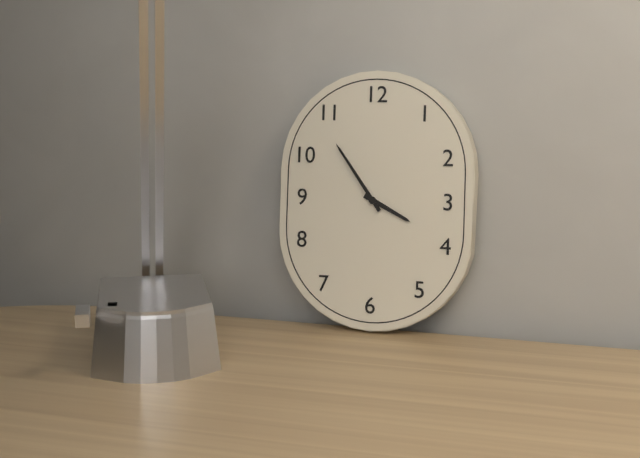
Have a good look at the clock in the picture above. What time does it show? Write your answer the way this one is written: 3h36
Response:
3h54
